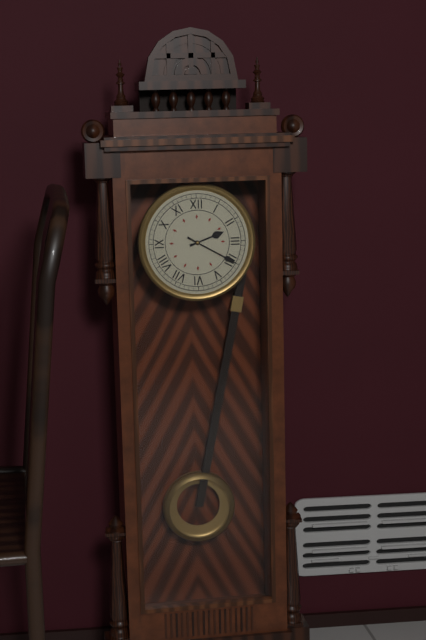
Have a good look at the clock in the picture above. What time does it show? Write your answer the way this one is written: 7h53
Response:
2h20
